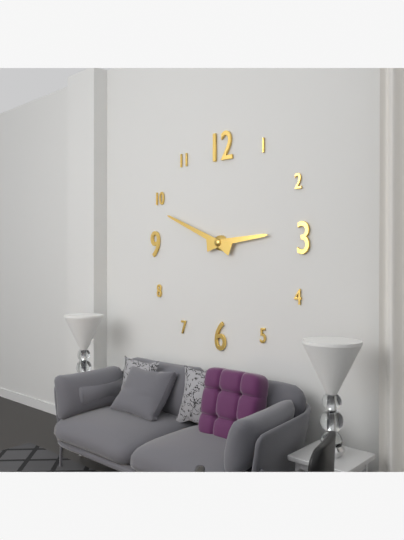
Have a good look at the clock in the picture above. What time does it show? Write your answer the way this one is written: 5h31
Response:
2h49
